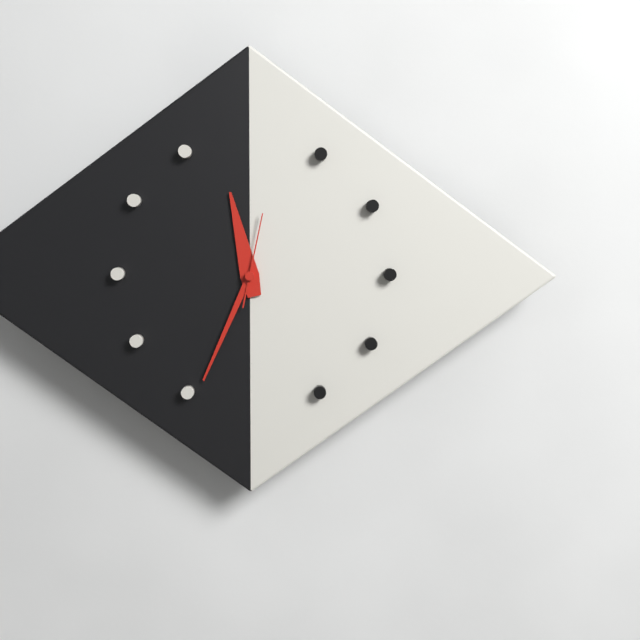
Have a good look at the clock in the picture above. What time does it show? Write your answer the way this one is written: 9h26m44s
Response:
11h34m02s
